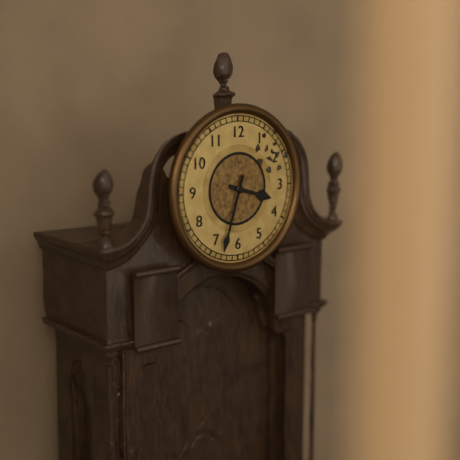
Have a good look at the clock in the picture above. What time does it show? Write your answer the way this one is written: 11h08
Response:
3h33
